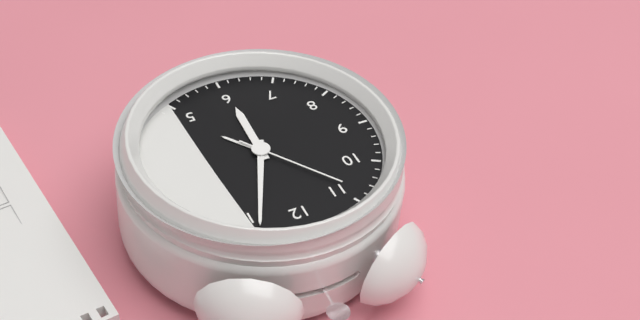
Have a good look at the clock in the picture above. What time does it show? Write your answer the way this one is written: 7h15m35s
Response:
6h04m54s
